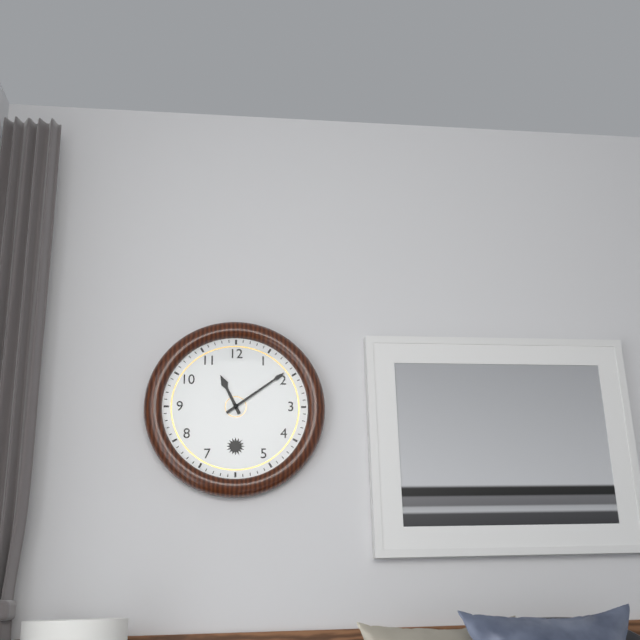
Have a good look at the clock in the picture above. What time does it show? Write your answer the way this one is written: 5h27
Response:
11h09
